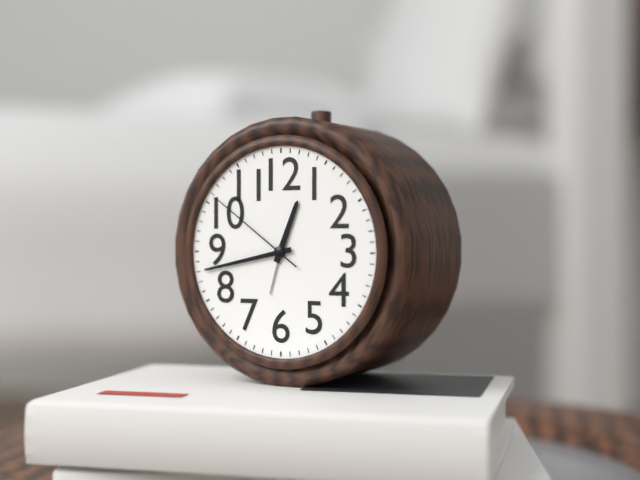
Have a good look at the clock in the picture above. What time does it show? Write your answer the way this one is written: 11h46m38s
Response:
12h43m51s
